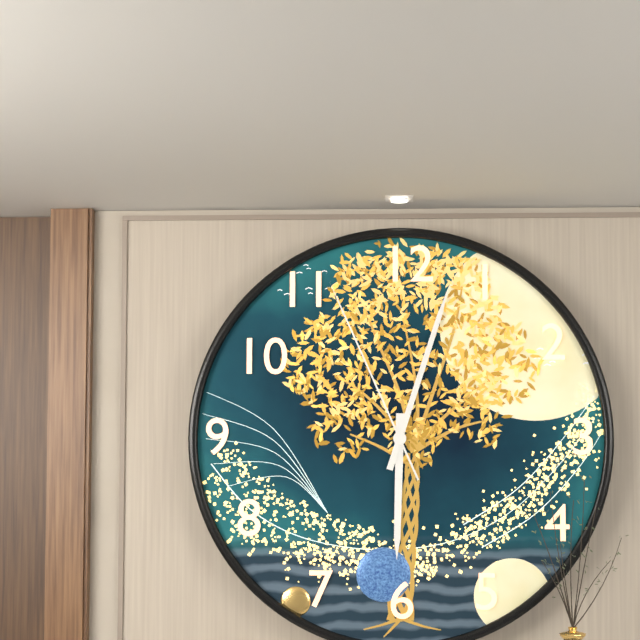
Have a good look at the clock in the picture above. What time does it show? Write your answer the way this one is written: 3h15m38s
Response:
6h03m56s
